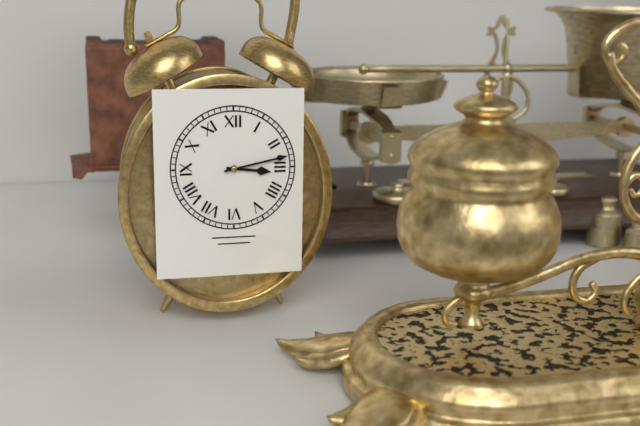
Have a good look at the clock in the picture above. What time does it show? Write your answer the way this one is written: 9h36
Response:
3h13
